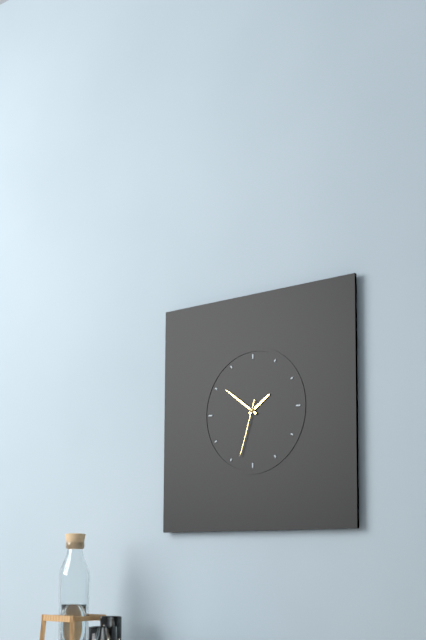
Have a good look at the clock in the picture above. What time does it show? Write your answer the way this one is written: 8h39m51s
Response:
1h51m33s
